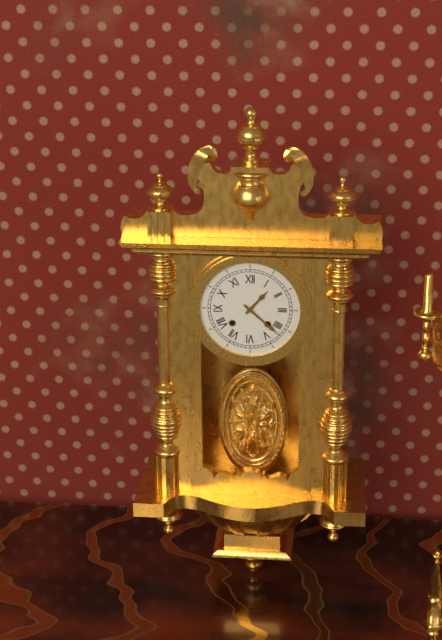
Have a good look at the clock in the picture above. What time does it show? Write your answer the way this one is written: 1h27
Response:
1h22
